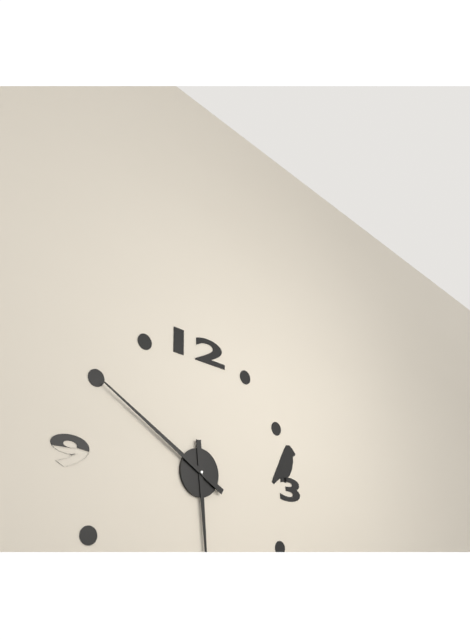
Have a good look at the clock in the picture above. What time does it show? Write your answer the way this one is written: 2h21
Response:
5h50
